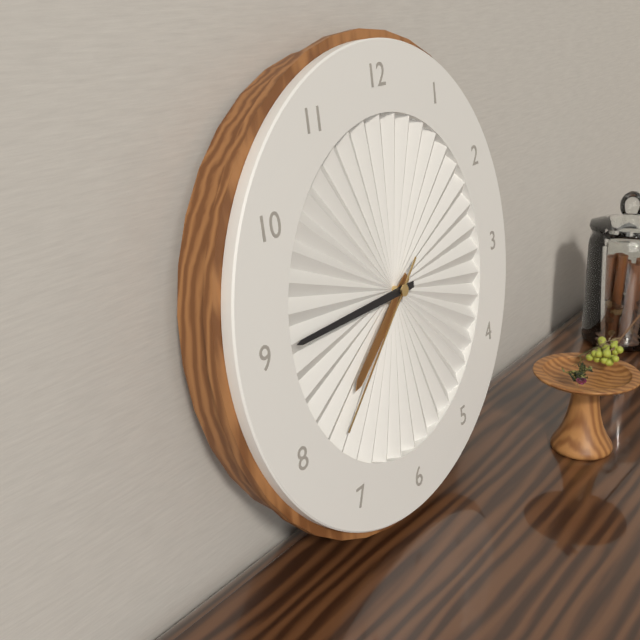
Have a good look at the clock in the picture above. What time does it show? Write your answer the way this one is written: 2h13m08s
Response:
7h45m38s
